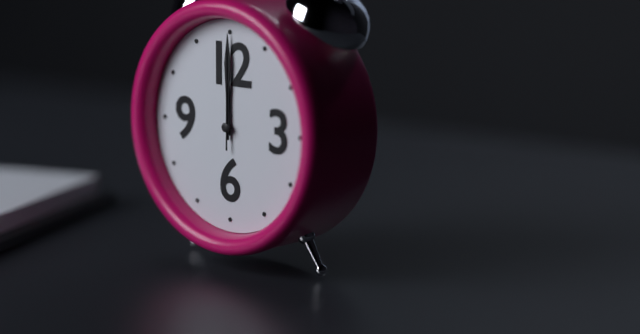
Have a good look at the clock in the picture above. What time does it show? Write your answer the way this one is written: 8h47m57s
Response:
12h00m00s
